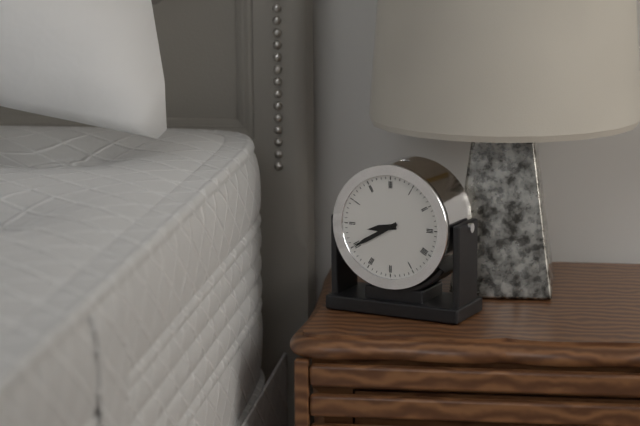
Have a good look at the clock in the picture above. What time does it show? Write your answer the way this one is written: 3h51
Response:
8h40
